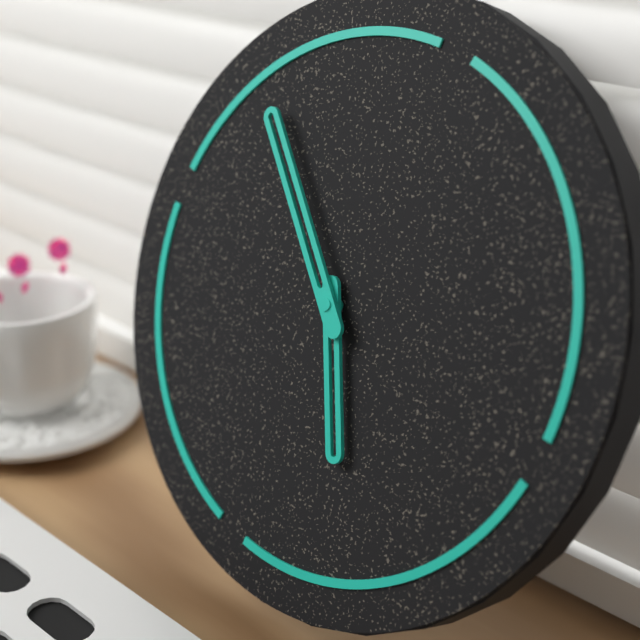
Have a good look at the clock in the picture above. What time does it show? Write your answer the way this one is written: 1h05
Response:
4h51
